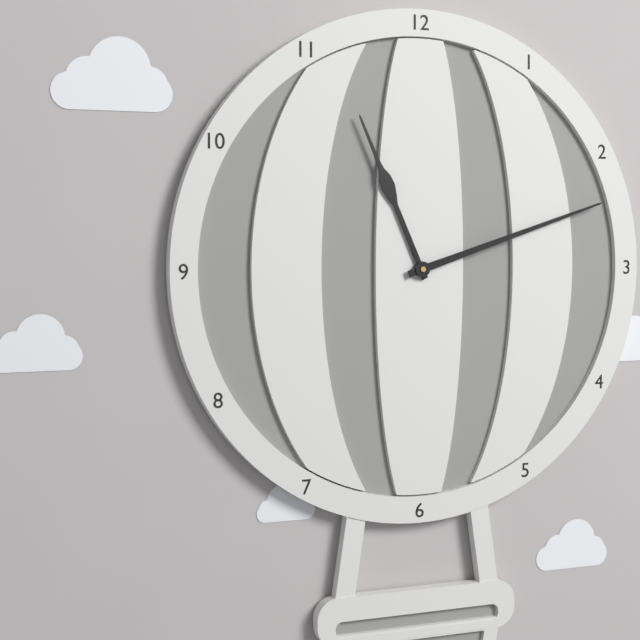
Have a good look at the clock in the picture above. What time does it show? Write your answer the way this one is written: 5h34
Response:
11h12
